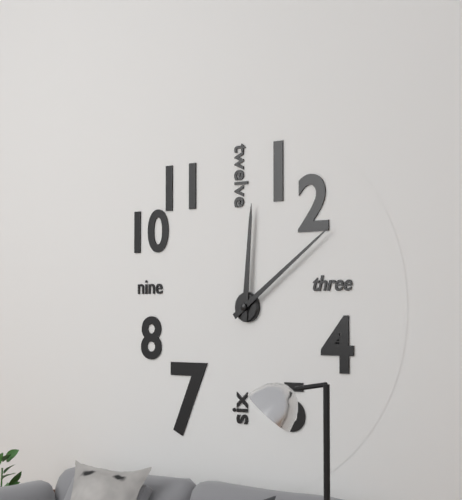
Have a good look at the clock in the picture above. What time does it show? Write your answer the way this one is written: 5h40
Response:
12h09
